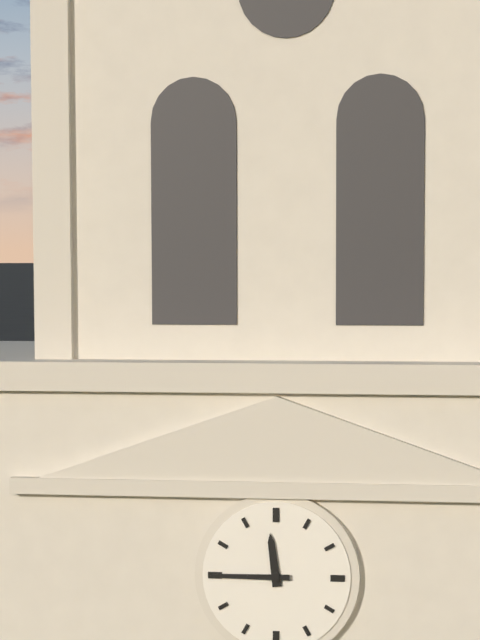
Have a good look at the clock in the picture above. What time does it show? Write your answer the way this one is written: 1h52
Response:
11h45
